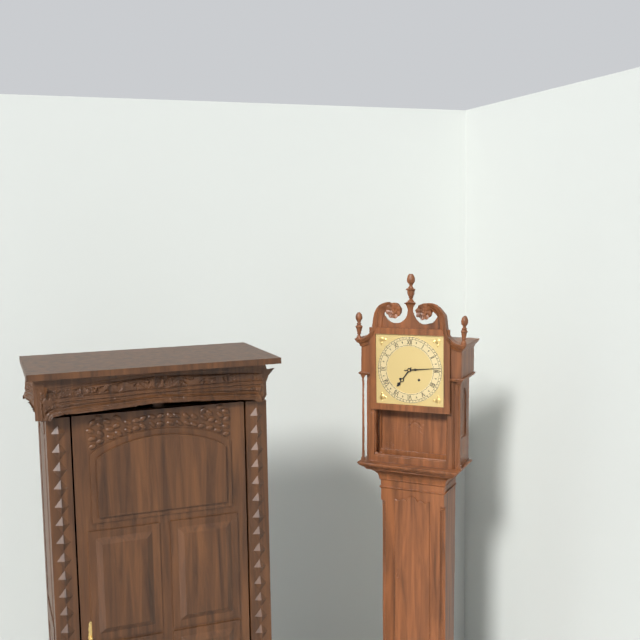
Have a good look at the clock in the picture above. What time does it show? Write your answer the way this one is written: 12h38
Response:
7h14
